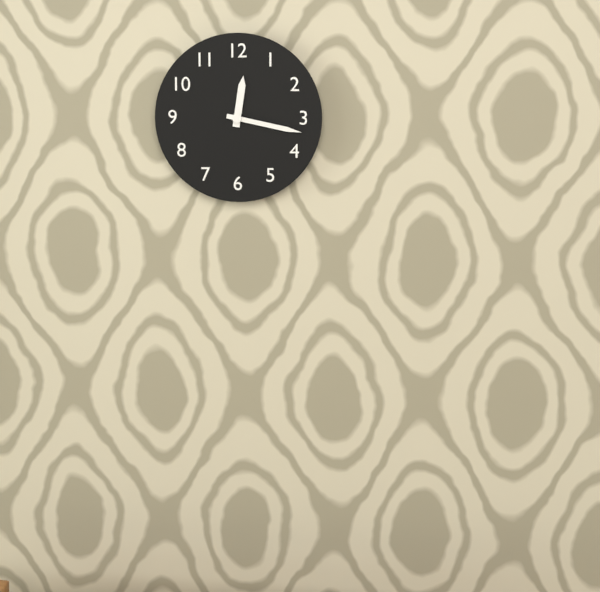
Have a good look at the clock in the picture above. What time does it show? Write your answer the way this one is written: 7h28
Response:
12h17
